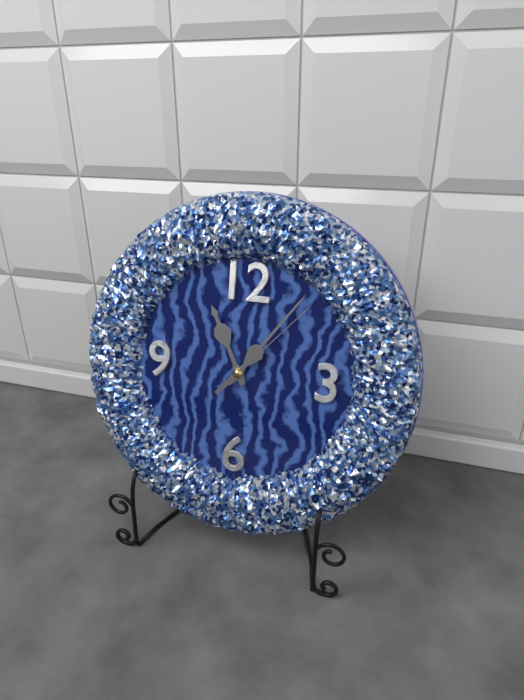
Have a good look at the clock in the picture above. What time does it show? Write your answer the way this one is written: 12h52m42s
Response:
11h06m07s
